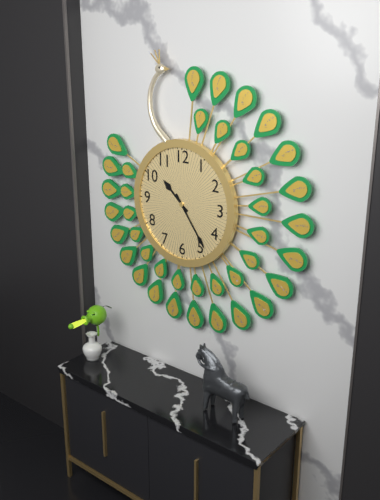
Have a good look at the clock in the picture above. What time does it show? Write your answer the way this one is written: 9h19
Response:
10h24
